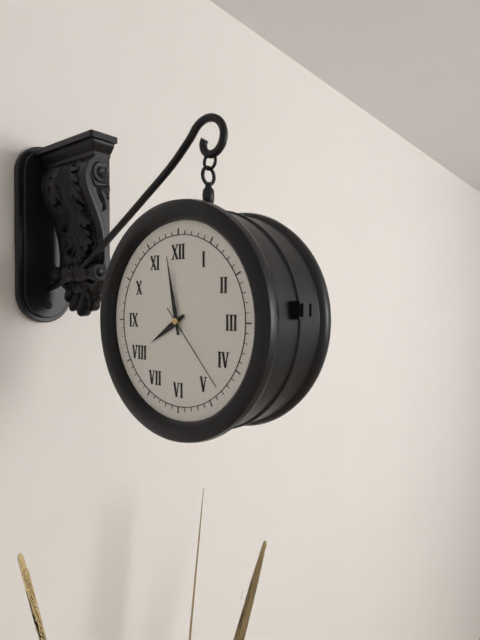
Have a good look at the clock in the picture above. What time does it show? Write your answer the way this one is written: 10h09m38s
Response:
7h58m23s
